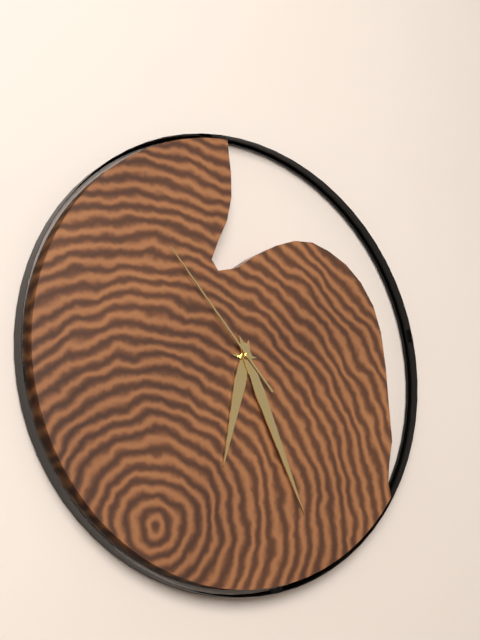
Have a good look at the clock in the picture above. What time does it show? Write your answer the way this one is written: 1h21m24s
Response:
6h26m53s
